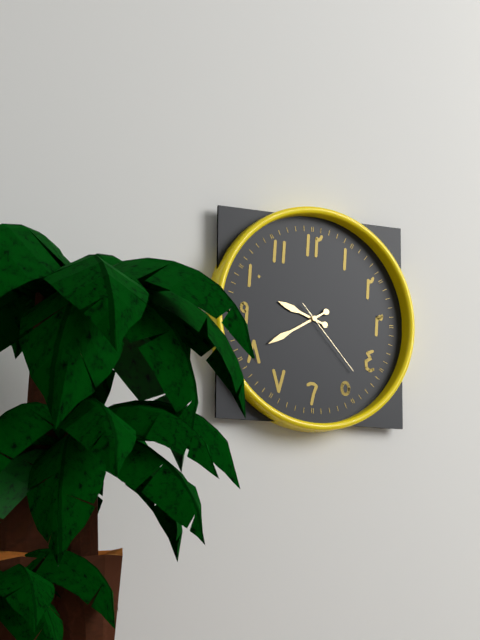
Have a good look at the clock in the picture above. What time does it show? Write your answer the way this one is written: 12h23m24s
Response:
9h40m23s
